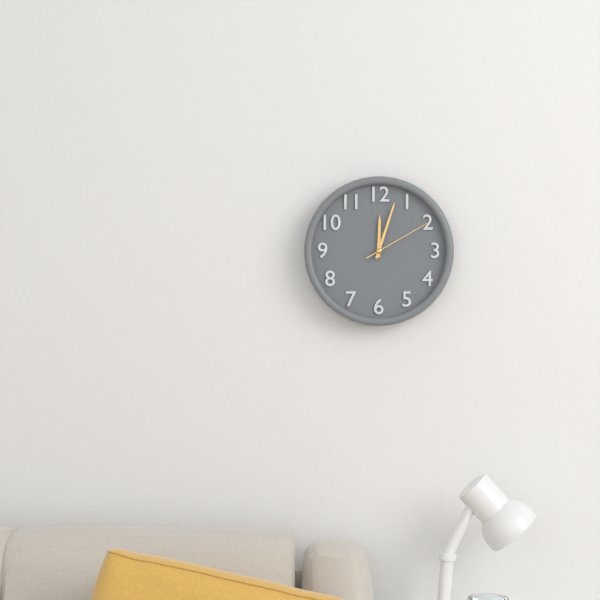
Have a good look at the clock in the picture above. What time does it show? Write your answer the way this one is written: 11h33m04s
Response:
12h03m10s
